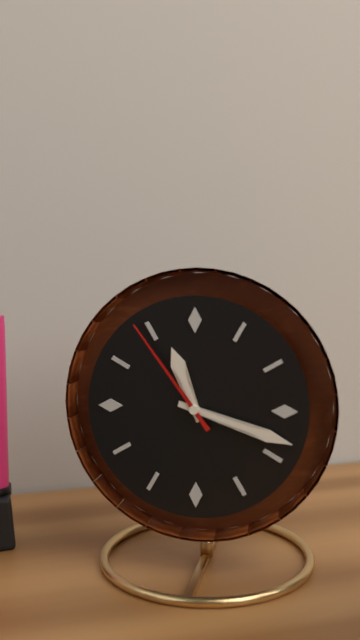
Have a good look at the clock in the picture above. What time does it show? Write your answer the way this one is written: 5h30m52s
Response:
11h18m54s
